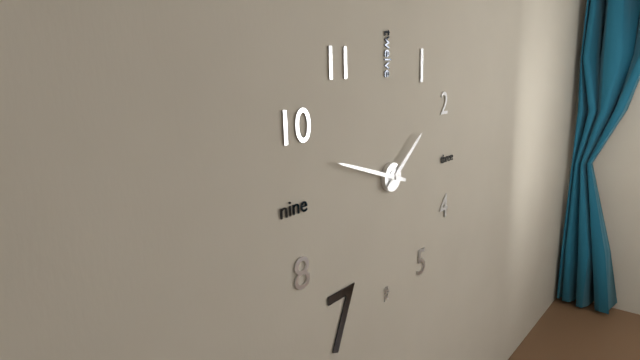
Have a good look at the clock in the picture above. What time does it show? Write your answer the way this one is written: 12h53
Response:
1h48
